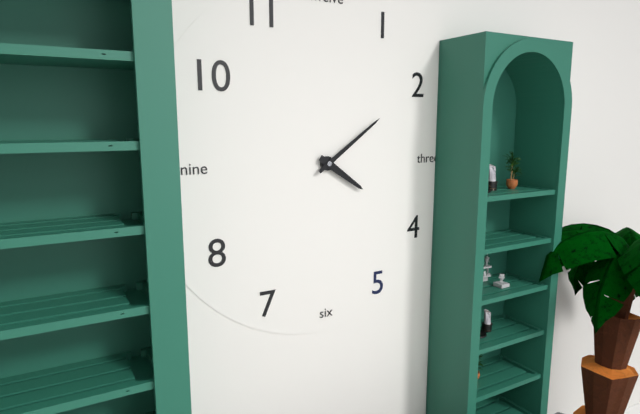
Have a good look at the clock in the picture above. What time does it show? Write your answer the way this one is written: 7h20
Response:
4h09
